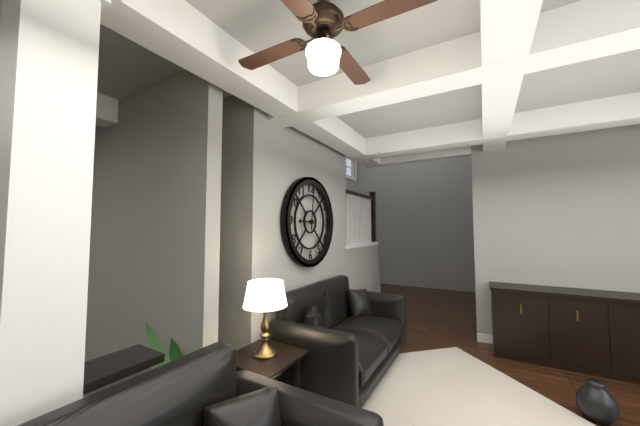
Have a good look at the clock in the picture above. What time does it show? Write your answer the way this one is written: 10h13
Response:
9h01
